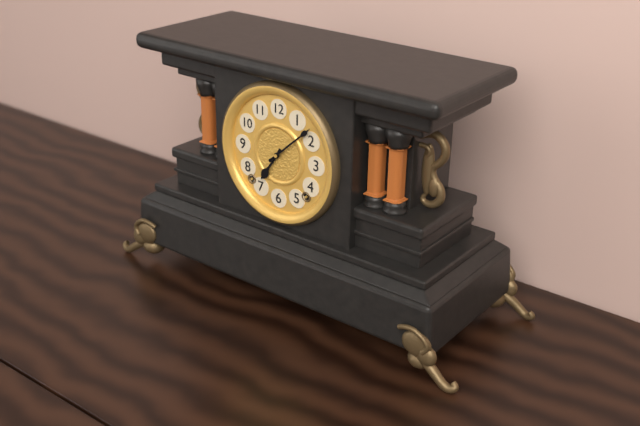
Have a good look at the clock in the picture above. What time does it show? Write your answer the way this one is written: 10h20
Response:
7h08
